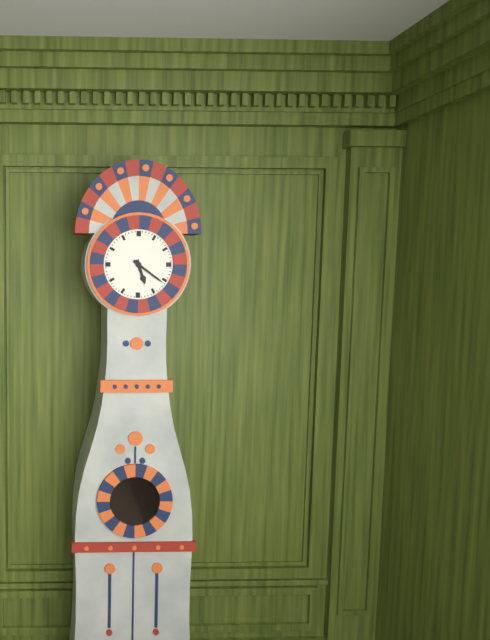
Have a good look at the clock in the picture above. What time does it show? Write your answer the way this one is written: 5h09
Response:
5h21
